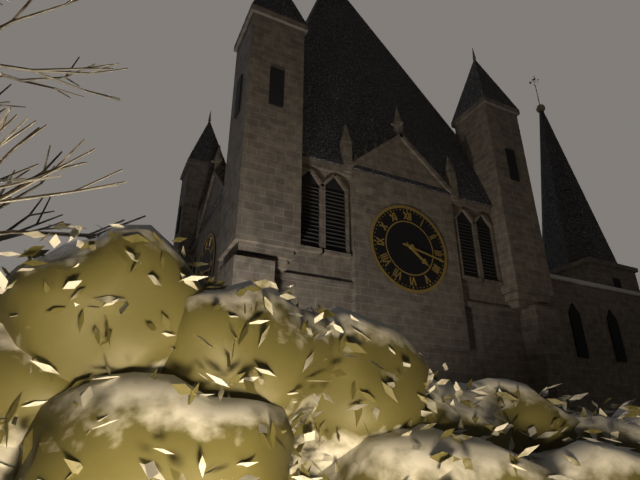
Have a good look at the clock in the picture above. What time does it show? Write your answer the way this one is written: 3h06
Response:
4h17
